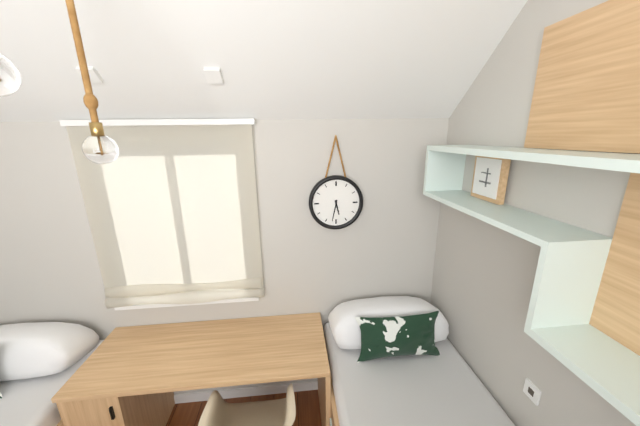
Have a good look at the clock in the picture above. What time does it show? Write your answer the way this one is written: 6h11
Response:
5h32
